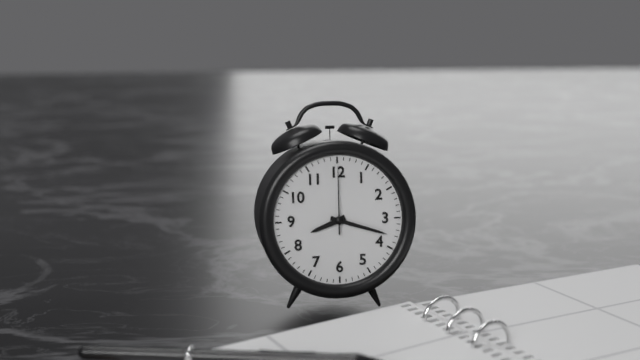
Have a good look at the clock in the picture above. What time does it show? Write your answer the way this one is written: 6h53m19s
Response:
8h18m00s
